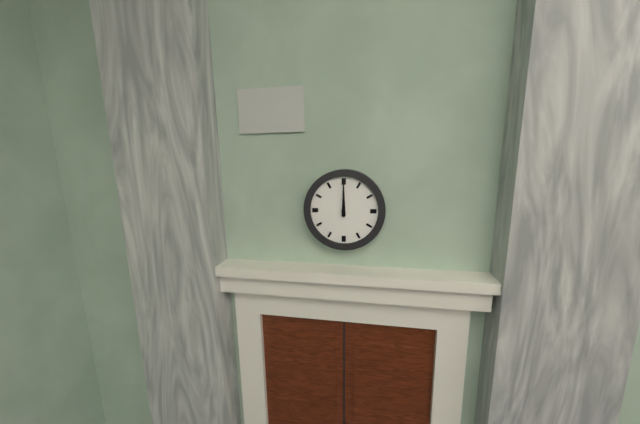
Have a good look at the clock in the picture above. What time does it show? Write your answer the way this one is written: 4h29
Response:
12h00
